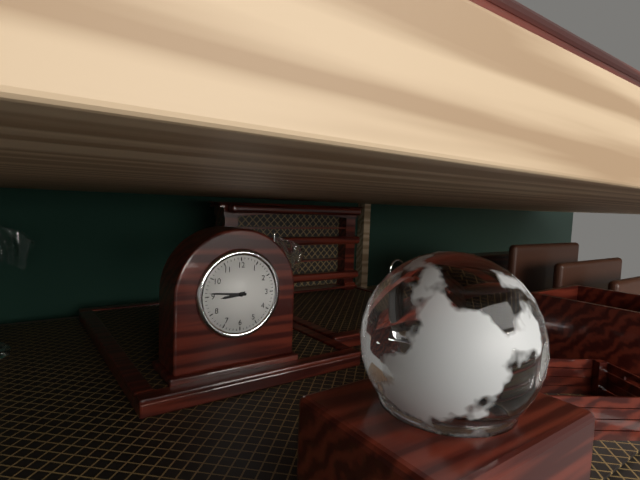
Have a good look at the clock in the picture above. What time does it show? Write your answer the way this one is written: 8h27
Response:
8h46
